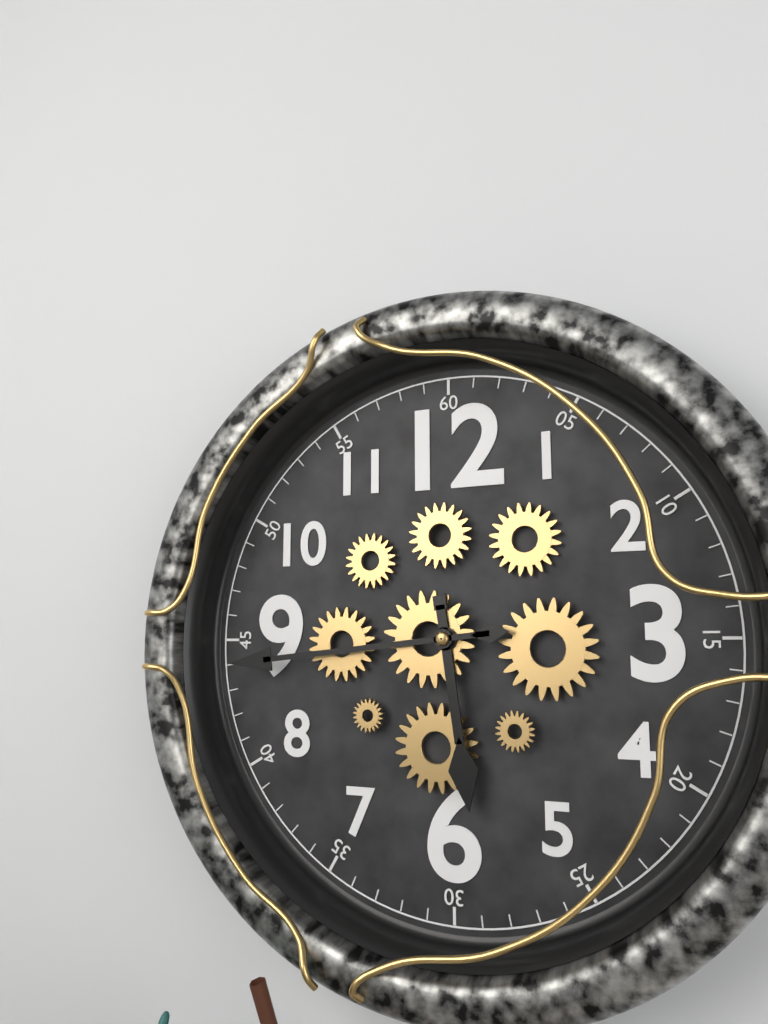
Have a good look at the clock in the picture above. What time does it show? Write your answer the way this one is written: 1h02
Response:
5h44
